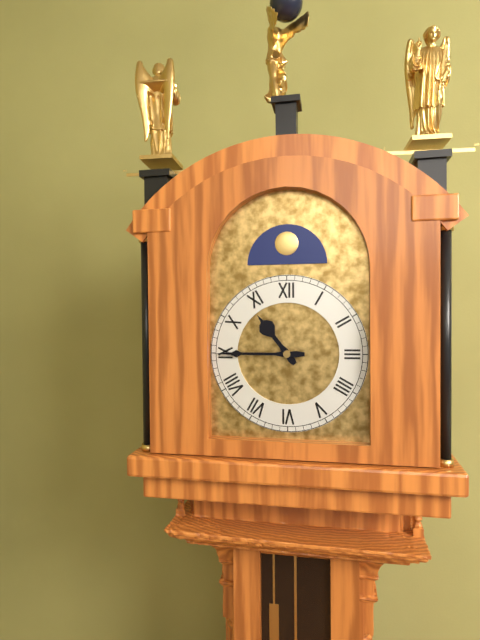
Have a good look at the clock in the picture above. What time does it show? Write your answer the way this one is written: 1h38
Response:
10h45
